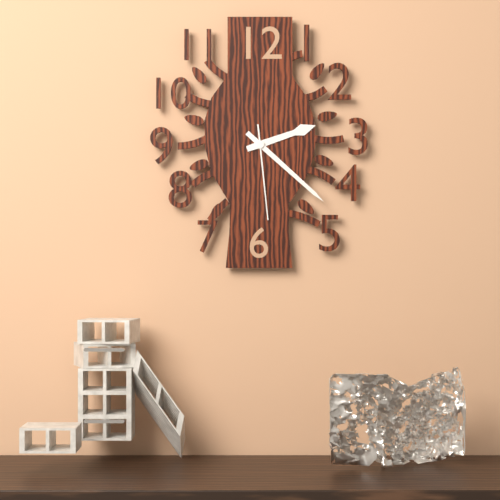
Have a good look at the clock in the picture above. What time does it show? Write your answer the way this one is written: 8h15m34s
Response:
2h22m29s
